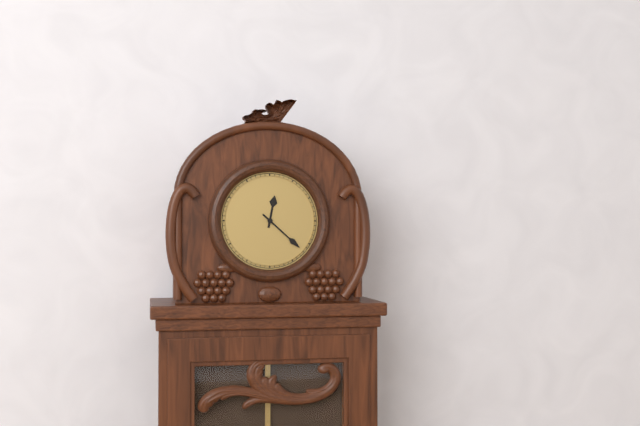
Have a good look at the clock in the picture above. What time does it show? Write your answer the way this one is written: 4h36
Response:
12h22
